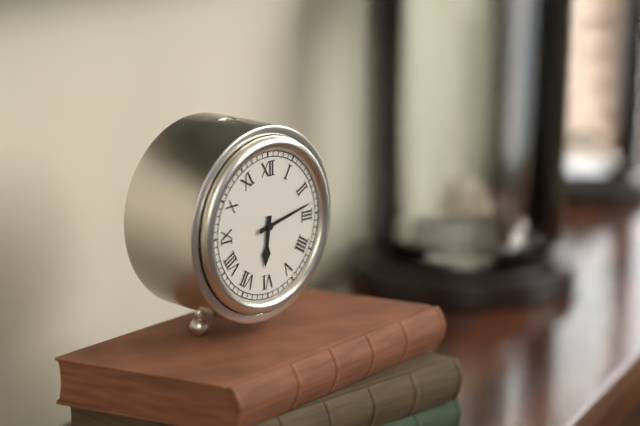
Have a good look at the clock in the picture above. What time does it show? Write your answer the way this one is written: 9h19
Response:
6h13
